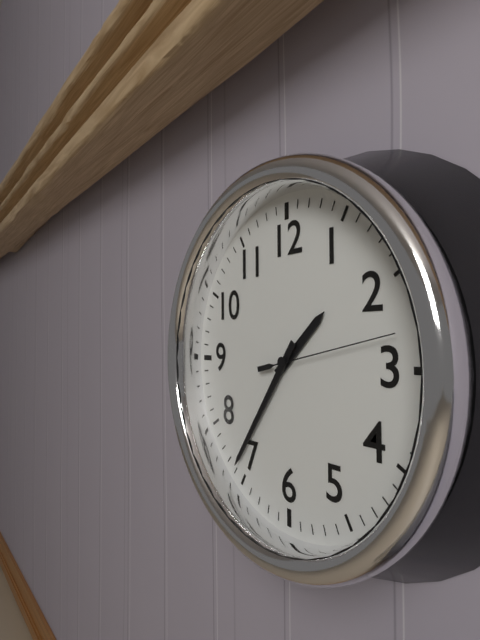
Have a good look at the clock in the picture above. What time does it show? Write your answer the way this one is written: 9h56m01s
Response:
1h36m13s
